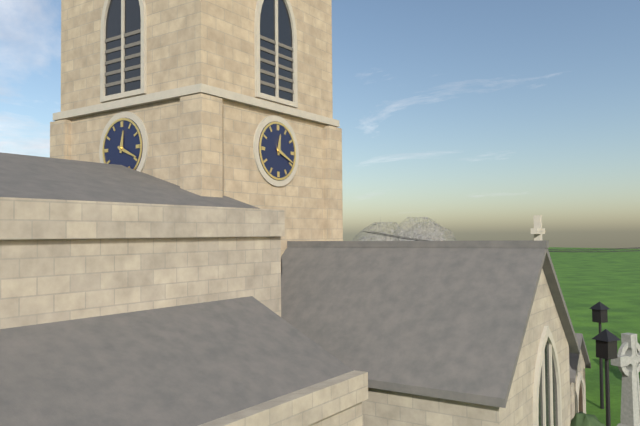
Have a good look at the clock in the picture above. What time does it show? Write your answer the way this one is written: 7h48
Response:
12h19
